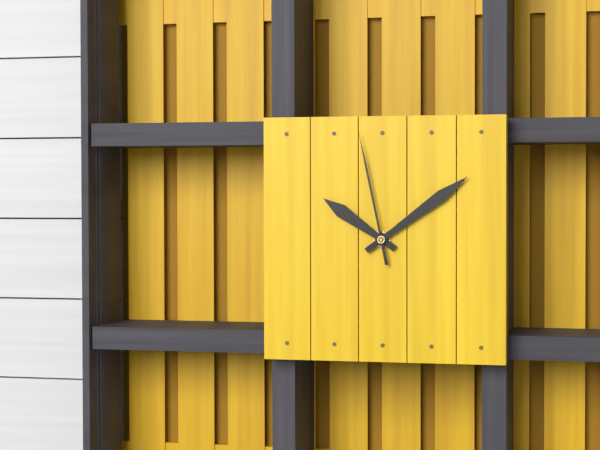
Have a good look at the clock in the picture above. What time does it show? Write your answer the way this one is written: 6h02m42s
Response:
10h09m58s
